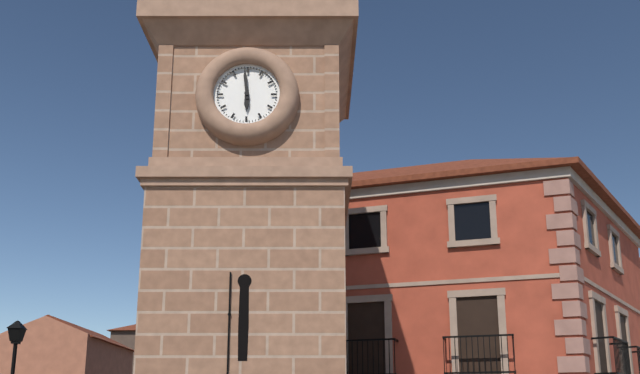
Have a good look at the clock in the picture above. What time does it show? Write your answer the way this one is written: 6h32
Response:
5h59
